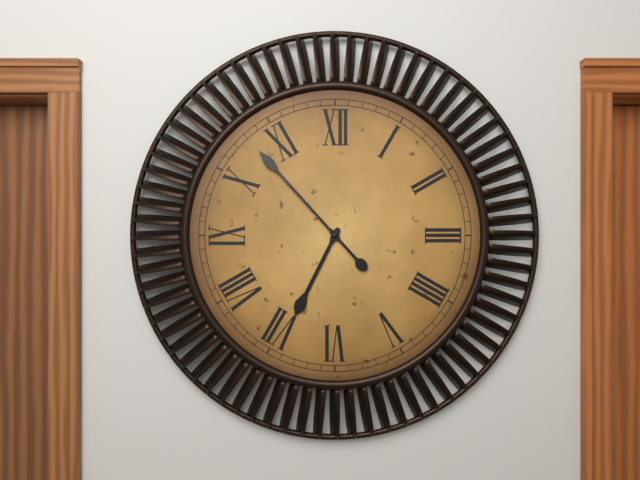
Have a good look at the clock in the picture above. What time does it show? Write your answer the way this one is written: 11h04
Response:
6h53
